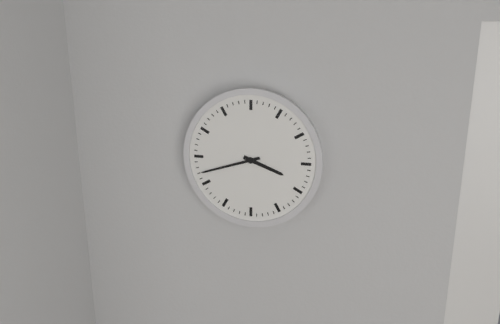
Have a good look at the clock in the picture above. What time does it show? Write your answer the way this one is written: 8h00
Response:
3h42
